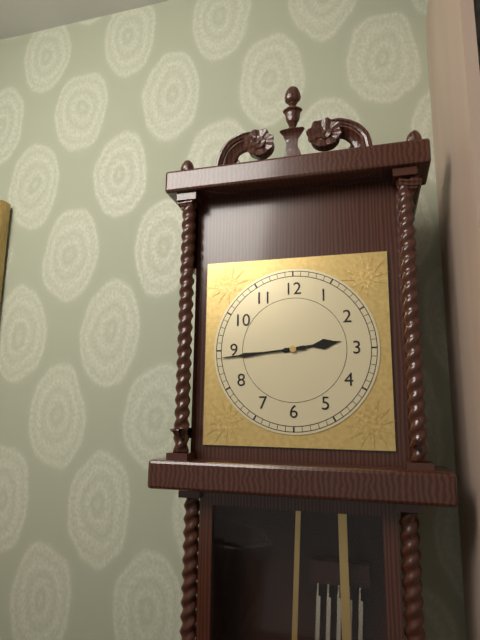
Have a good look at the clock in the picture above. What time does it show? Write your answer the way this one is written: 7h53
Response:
2h44
